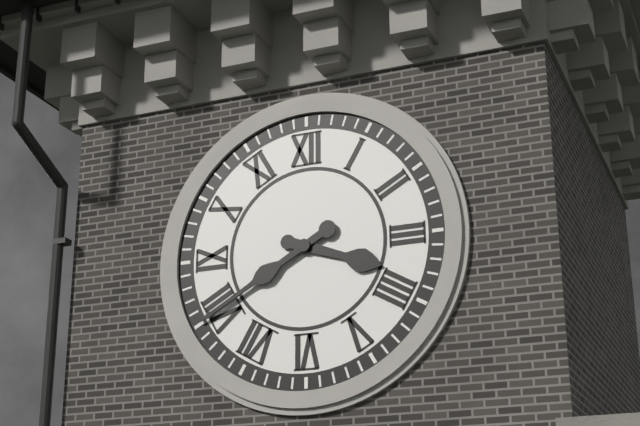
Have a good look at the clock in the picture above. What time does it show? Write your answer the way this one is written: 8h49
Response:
3h40
